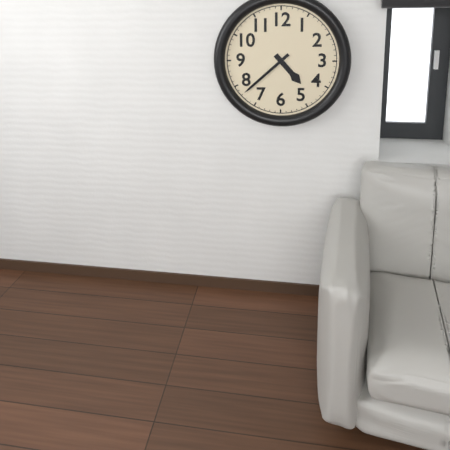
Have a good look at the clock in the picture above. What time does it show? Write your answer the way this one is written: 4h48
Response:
4h38
